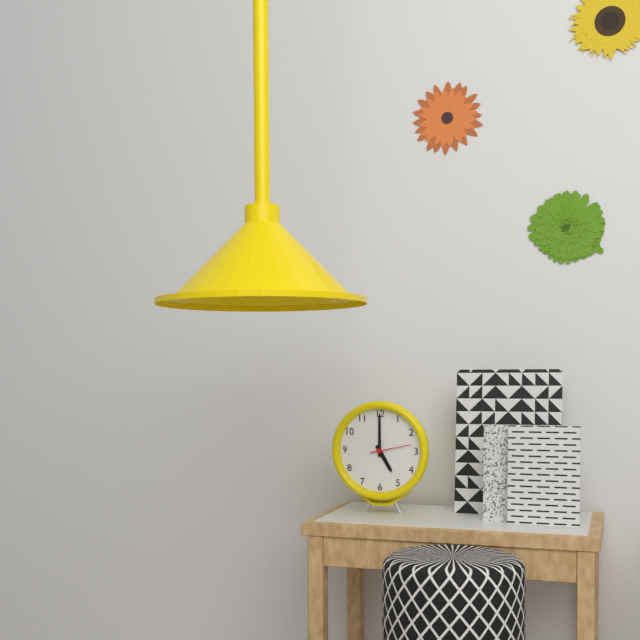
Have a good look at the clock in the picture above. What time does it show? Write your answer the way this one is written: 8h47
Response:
5h00
